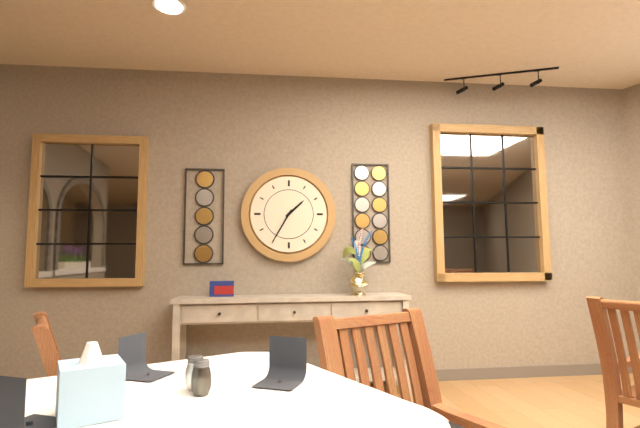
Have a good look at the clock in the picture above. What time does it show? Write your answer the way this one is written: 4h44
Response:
1h35
